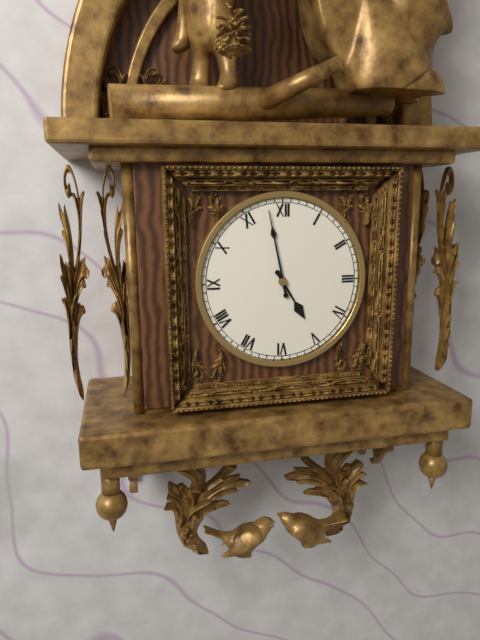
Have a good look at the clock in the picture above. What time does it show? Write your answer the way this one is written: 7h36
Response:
4h58
